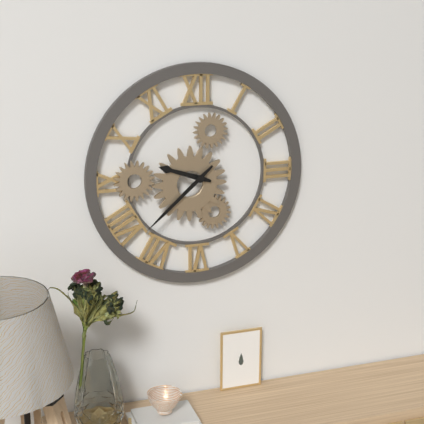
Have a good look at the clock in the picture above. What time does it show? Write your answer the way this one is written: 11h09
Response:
9h38
